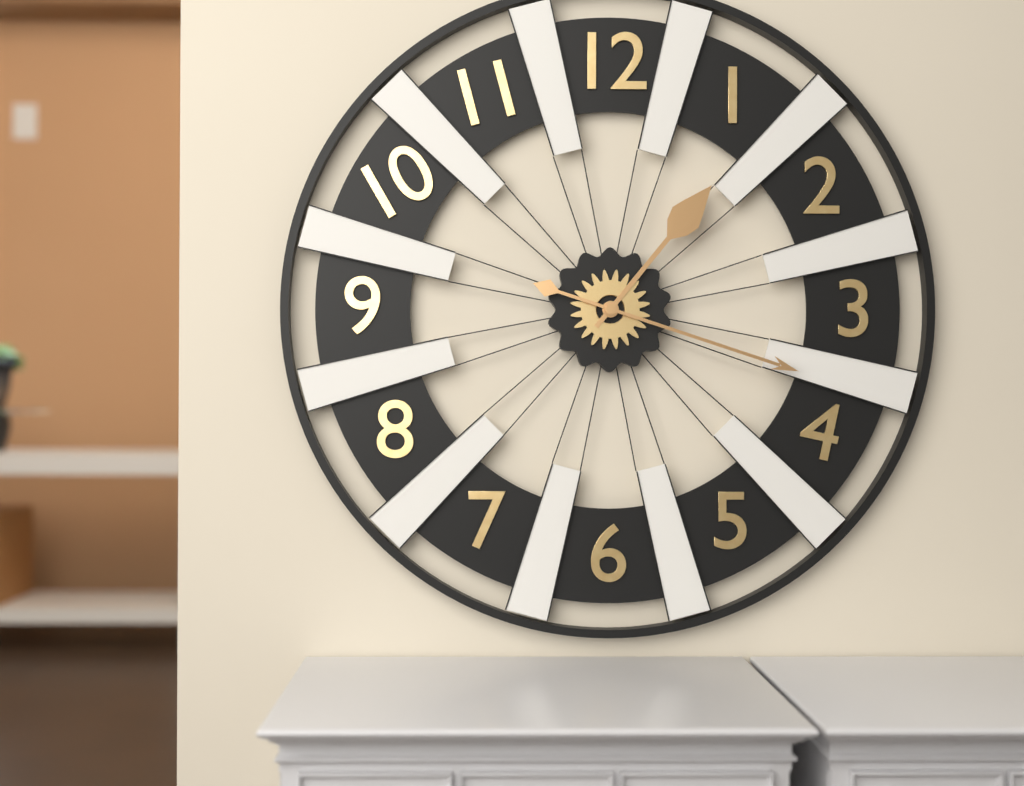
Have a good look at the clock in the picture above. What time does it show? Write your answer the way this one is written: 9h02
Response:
1h18
